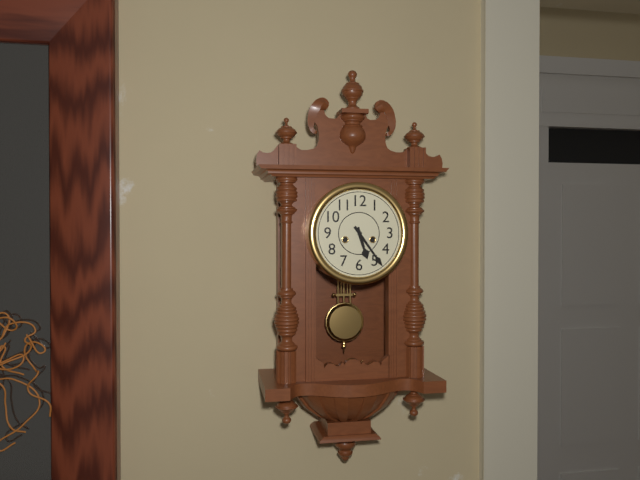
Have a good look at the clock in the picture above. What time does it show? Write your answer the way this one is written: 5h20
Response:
5h24
